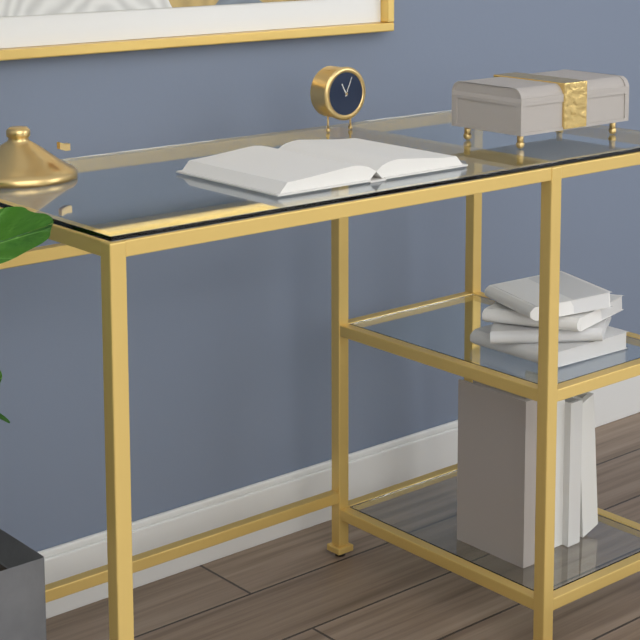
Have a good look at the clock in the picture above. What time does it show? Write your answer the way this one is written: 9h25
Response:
11h04
